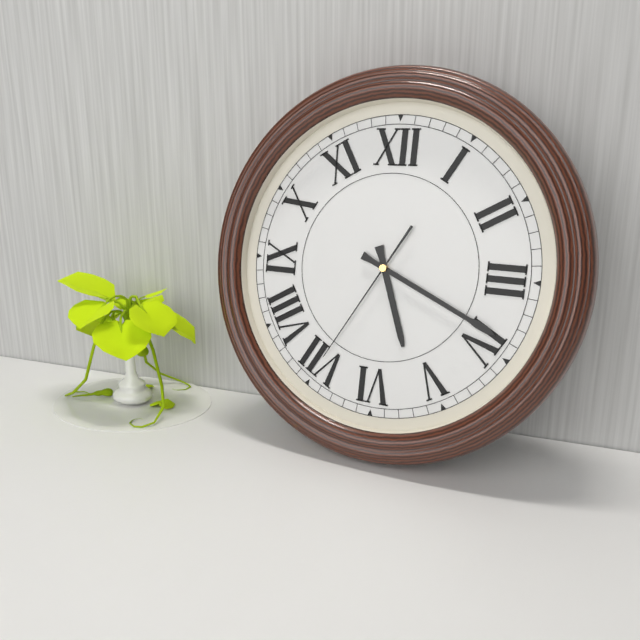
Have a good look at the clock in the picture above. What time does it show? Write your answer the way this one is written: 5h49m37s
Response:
5h19m35s
